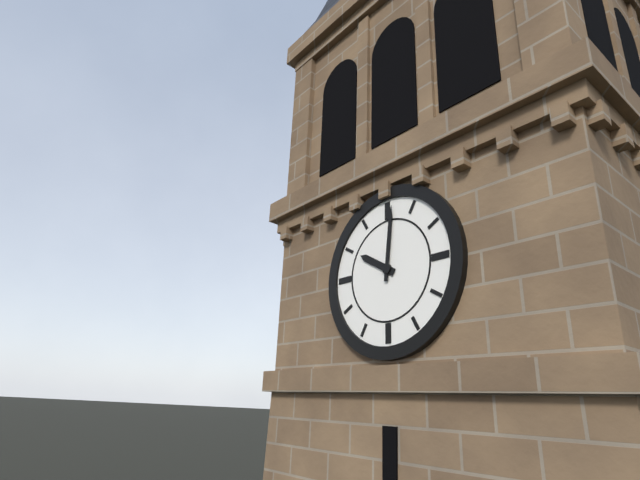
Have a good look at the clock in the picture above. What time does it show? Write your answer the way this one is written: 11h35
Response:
10h01
